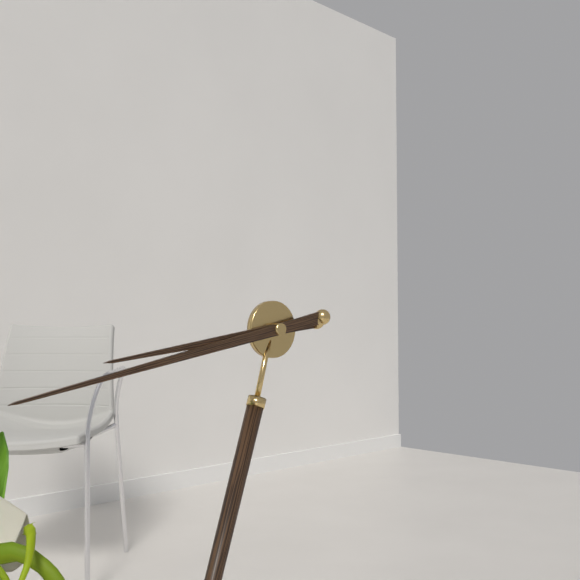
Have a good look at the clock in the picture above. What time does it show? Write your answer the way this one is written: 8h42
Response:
8h43
